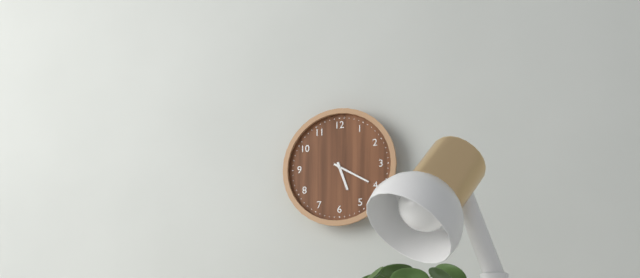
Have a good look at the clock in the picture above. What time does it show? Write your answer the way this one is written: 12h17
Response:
5h20
